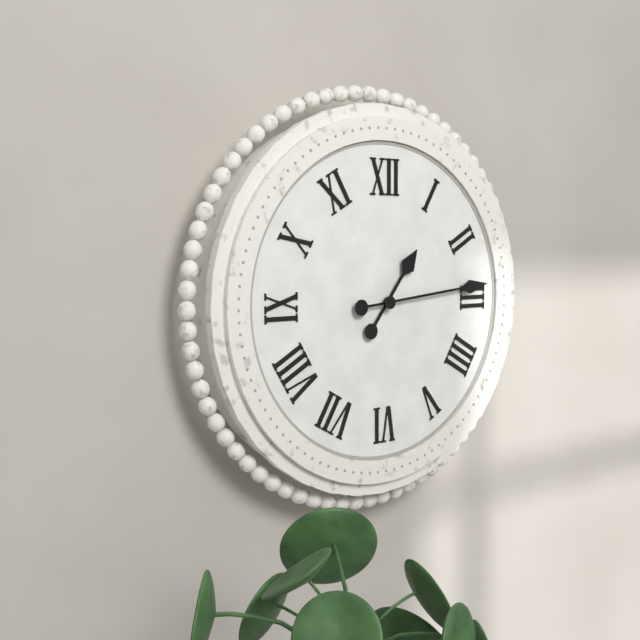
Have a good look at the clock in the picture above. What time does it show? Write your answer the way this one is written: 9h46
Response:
1h14
